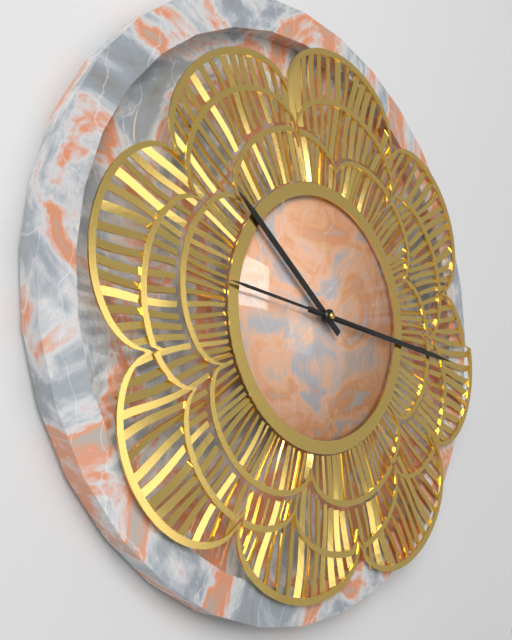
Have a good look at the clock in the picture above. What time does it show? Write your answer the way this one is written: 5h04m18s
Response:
10h16m46s
